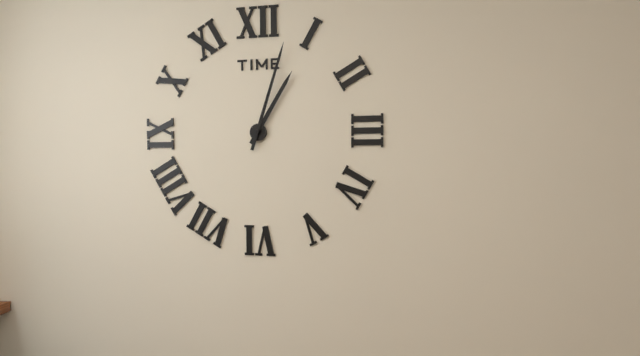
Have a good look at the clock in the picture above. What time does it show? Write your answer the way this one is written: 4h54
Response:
1h03
